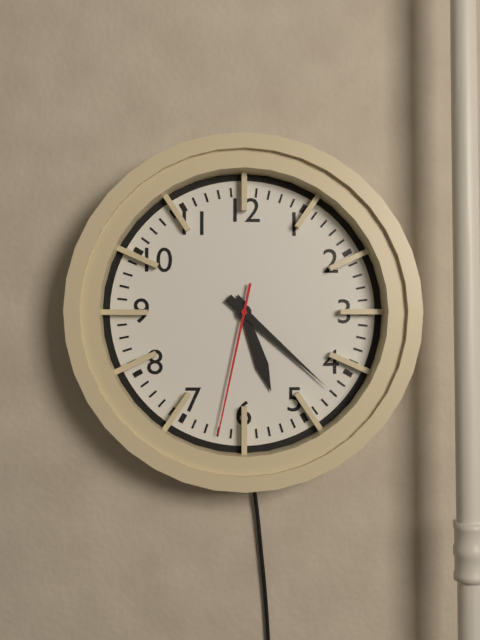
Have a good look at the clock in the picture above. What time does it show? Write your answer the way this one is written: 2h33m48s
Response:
5h22m32s
